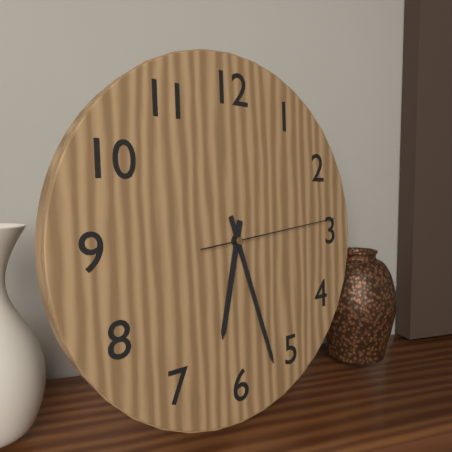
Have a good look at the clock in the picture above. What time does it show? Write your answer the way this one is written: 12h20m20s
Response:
6h27m14s
